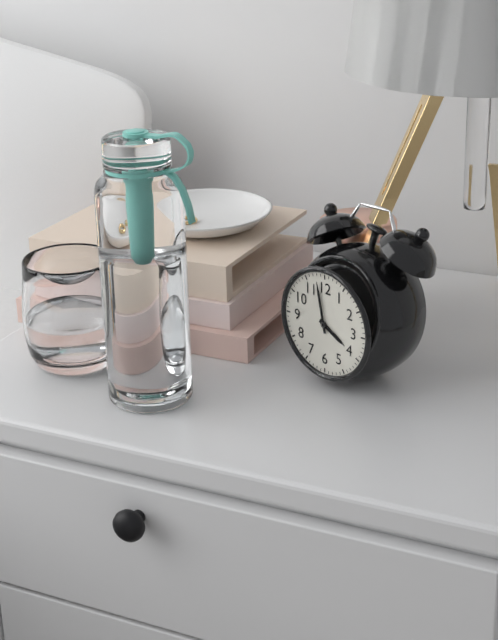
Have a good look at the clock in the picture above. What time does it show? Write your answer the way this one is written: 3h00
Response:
3h58
